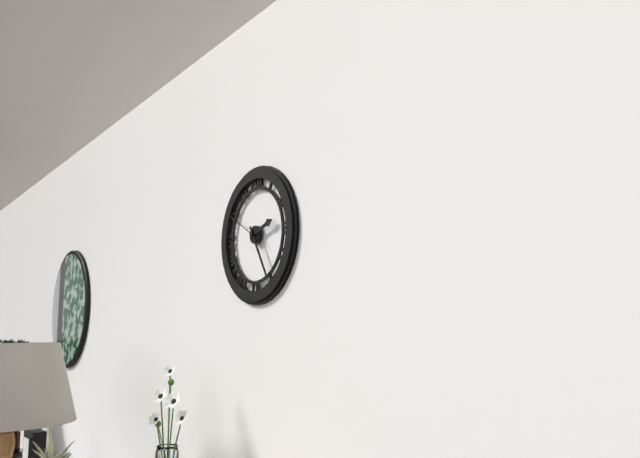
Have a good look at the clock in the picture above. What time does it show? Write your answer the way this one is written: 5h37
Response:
2h25
